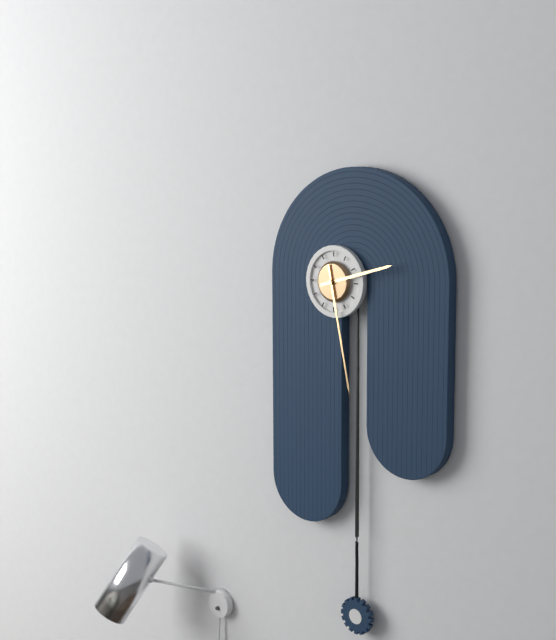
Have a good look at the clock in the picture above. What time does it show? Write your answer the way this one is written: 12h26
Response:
2h28
